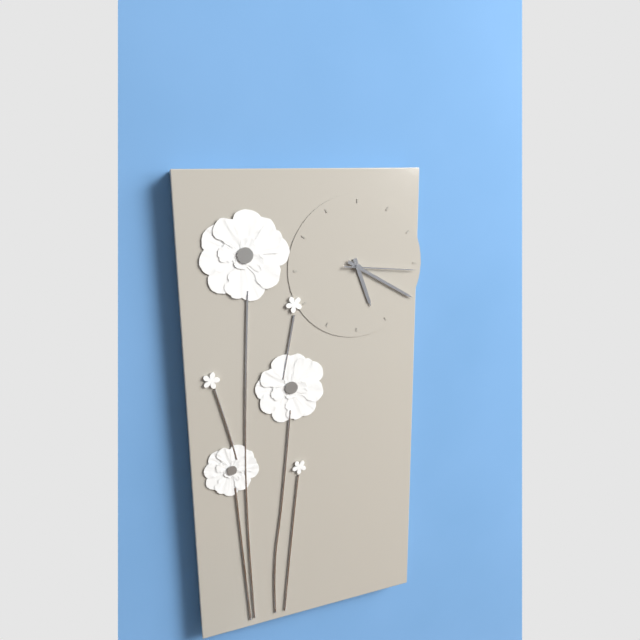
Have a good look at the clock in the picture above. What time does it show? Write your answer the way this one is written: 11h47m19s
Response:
5h20m16s
